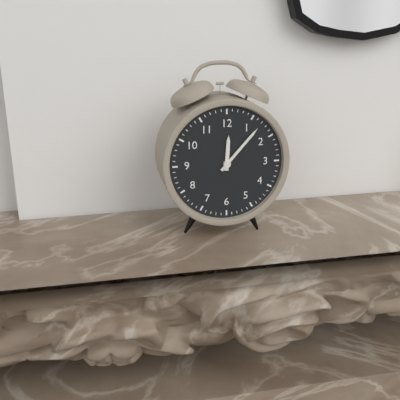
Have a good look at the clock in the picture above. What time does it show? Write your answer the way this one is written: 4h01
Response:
12h07
